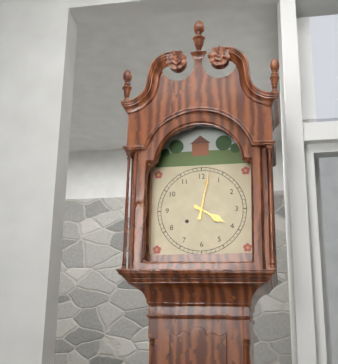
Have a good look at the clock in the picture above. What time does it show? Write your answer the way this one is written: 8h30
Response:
4h02
